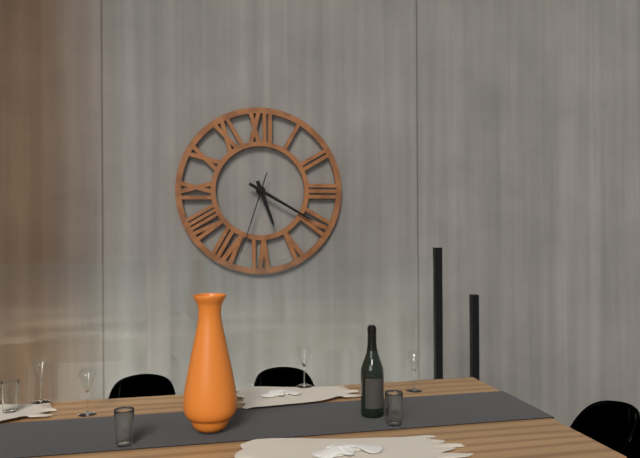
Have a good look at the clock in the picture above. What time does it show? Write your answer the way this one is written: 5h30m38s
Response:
5h20m33s
